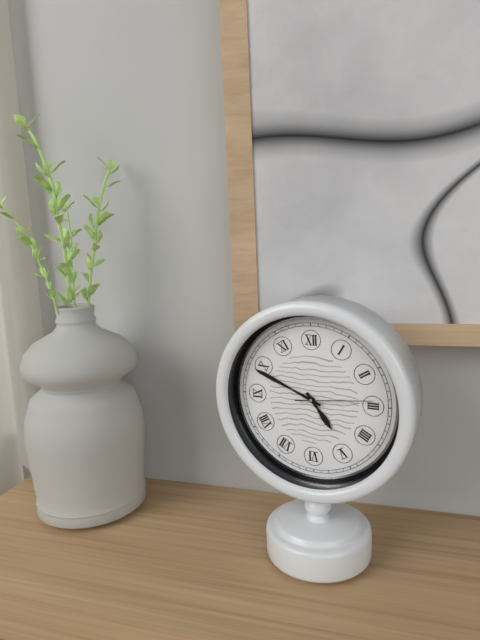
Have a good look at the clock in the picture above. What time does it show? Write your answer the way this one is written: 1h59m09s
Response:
4h49m14s
